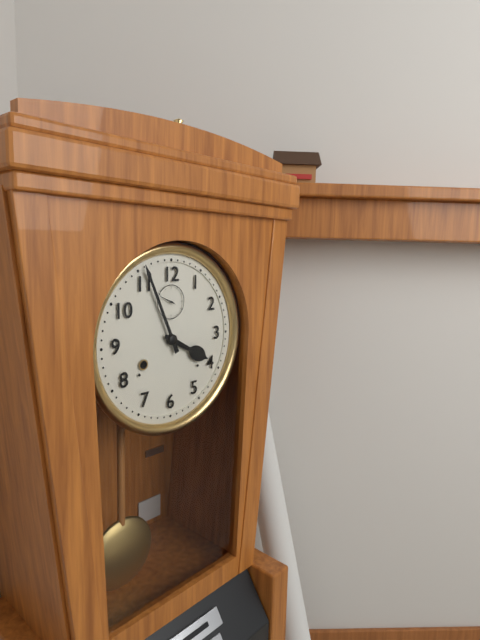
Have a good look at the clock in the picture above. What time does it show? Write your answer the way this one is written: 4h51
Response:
3h56
